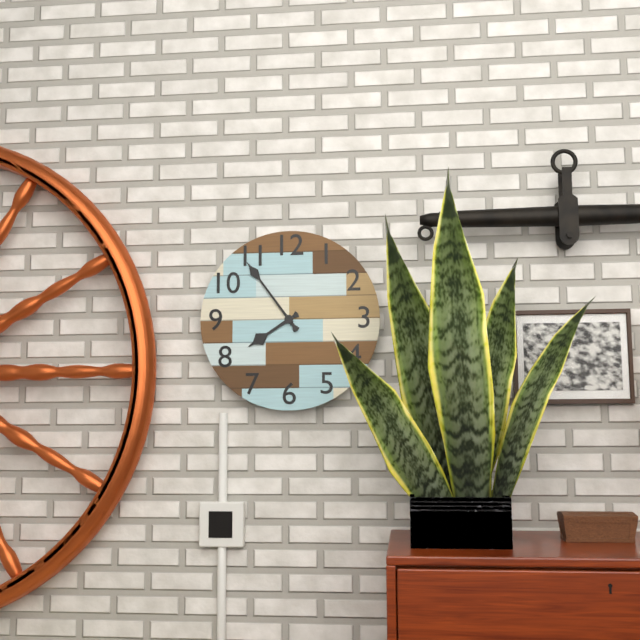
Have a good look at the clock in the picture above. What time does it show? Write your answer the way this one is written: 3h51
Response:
7h54
